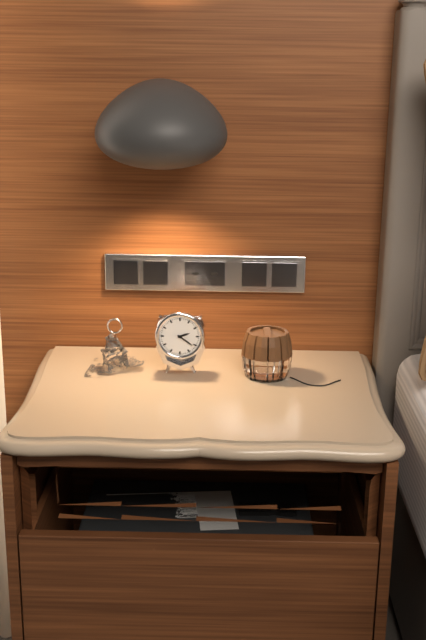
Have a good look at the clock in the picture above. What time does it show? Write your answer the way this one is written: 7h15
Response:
2h21
